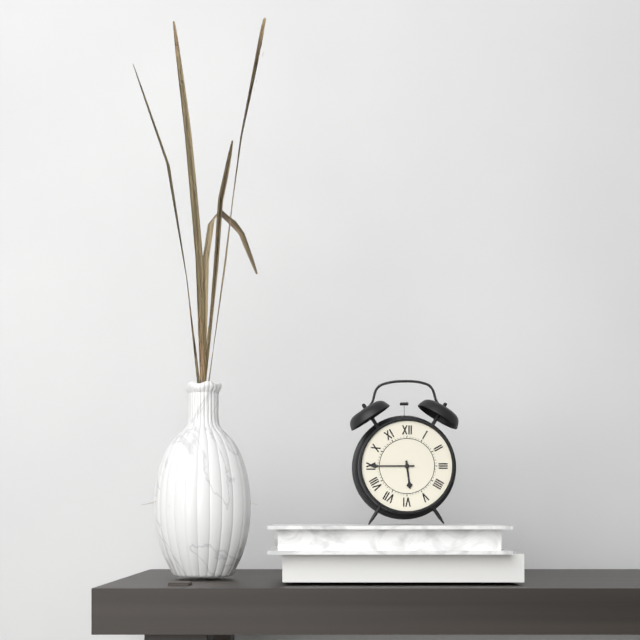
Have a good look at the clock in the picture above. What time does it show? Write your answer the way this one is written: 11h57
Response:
5h45
